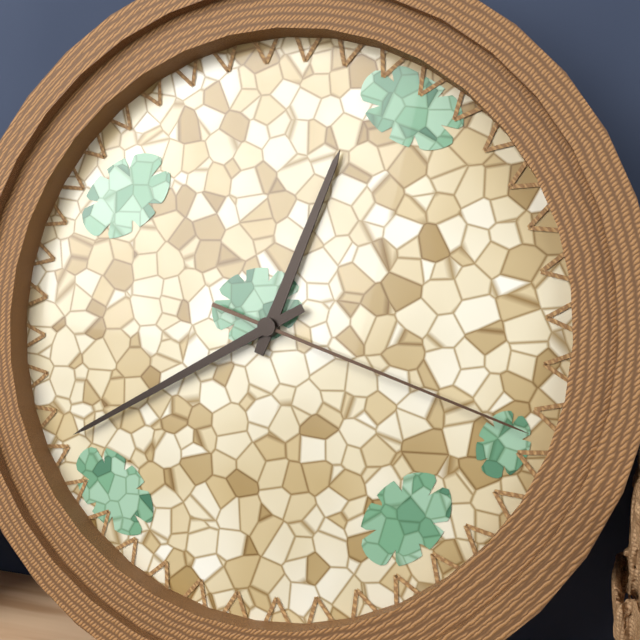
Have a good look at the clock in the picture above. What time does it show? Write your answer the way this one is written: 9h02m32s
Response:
12h40m18s
